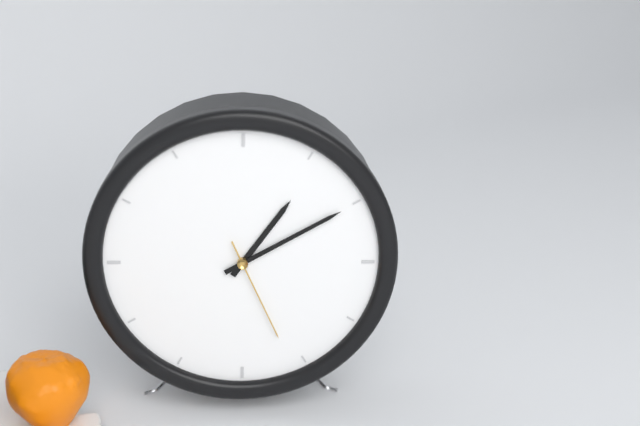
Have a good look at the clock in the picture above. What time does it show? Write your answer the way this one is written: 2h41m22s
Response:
1h10m26s
